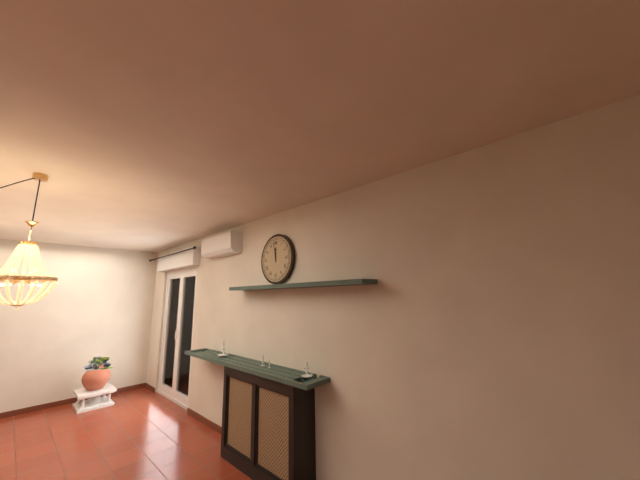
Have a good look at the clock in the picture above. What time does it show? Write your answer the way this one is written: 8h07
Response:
11h58
